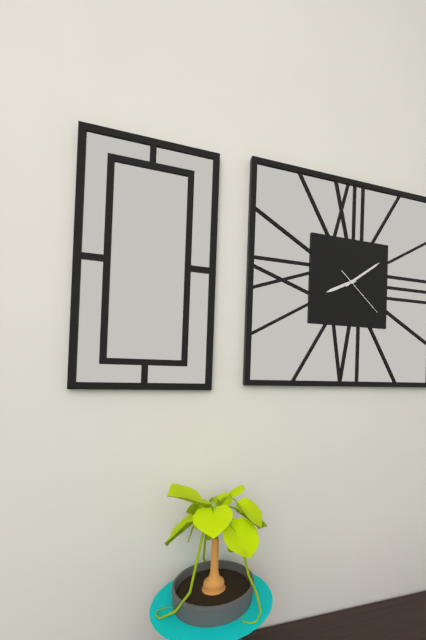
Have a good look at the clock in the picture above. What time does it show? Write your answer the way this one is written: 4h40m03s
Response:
8h09m22s
